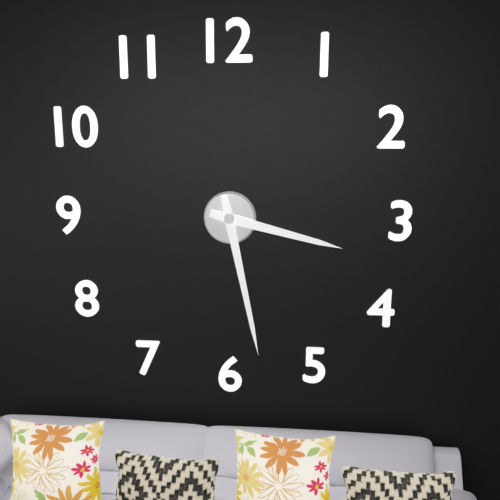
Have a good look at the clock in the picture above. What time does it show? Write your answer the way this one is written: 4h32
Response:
3h28
